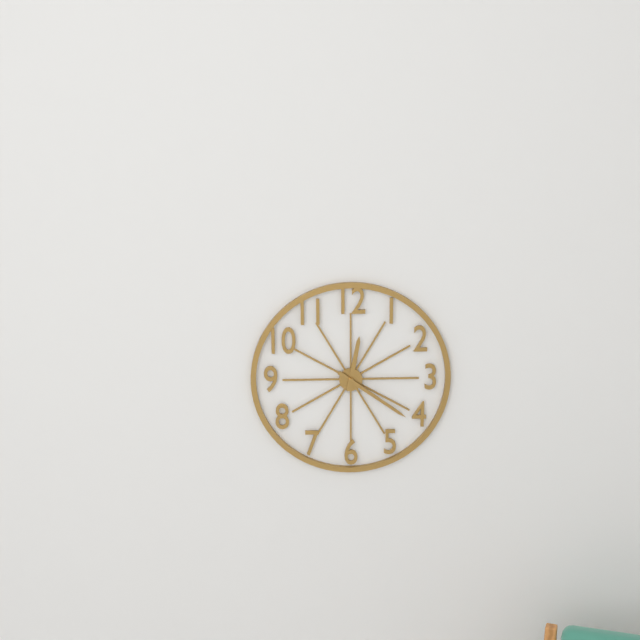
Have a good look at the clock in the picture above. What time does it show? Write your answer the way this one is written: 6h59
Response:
12h21
